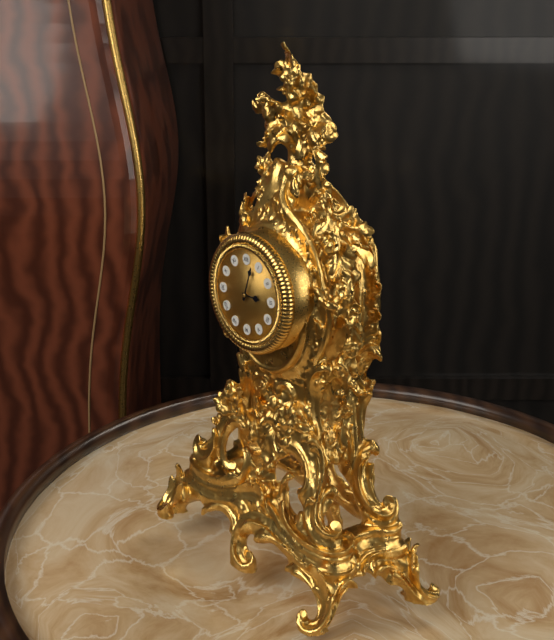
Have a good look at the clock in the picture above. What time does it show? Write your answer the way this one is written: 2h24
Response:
3h03
